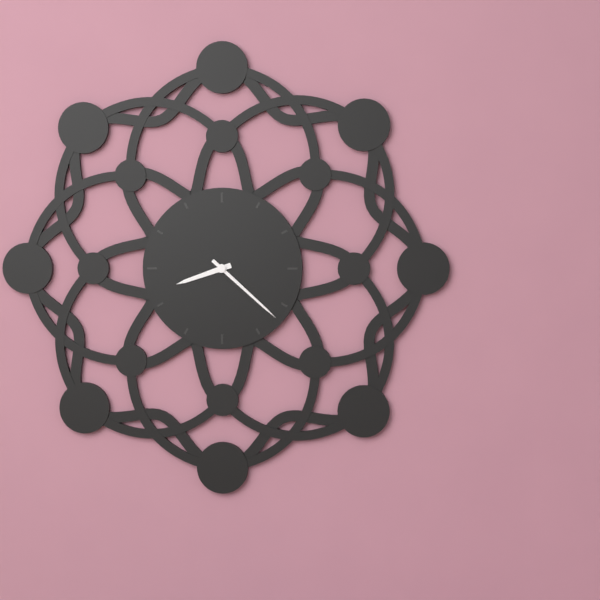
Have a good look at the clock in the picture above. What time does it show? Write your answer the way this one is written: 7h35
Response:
8h22
